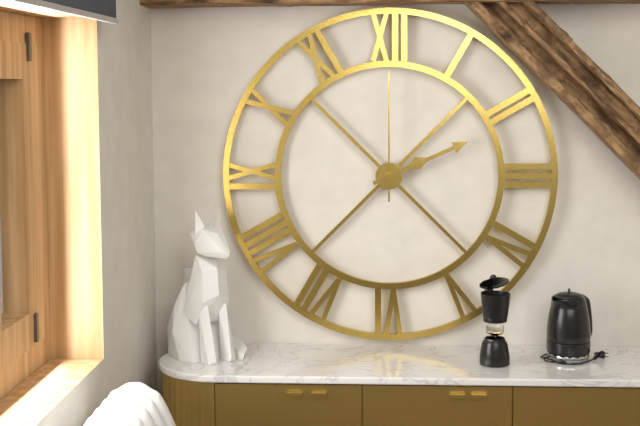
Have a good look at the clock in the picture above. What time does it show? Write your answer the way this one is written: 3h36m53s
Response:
2h11m00s
